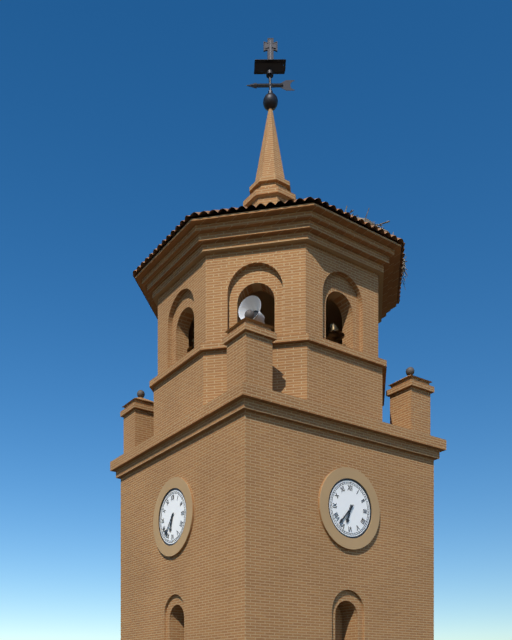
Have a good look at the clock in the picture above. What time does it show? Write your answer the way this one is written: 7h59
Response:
6h37
